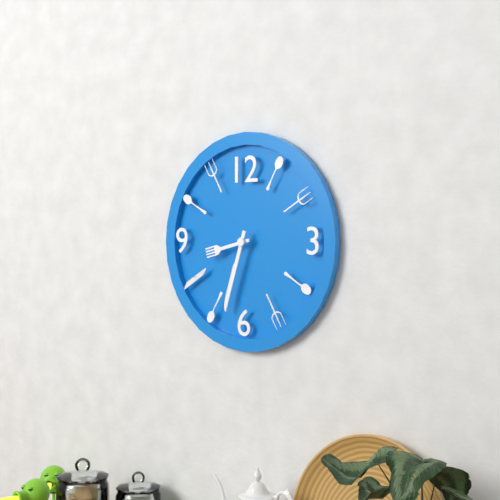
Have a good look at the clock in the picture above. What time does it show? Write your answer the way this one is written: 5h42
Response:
8h33
